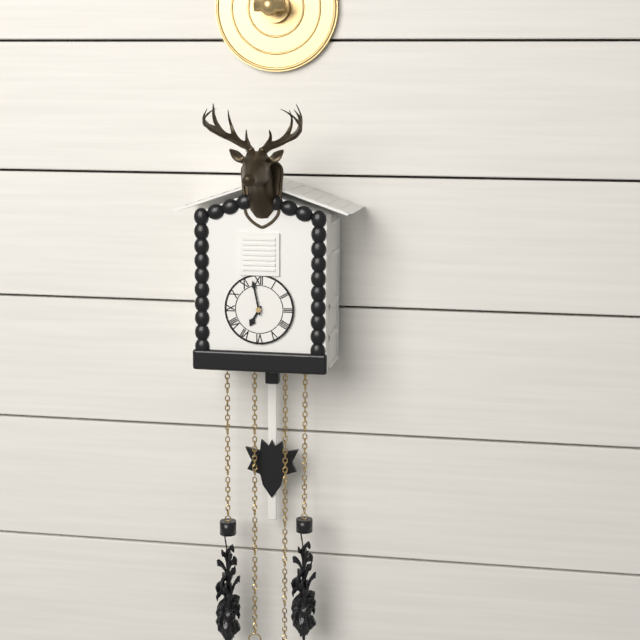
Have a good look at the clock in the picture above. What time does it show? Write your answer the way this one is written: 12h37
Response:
6h58
